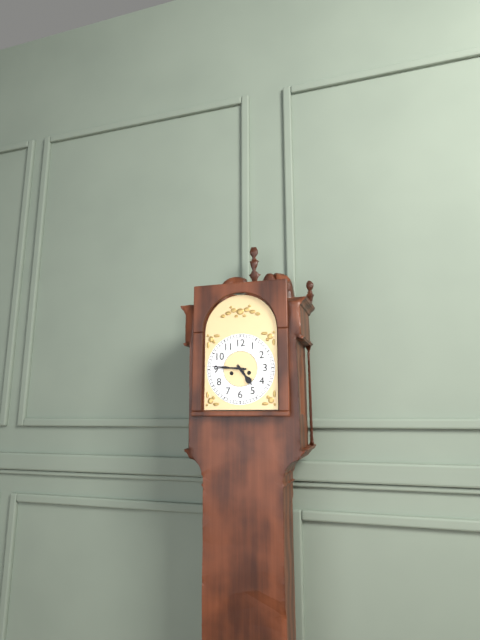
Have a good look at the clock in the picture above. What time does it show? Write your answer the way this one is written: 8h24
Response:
4h46
